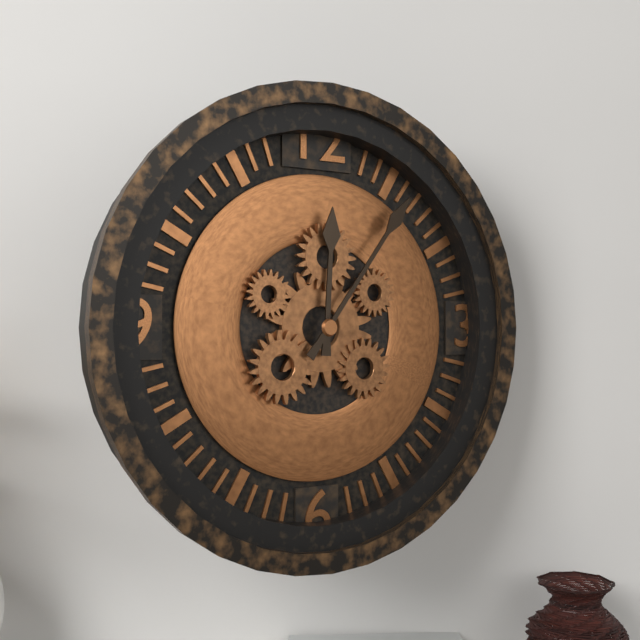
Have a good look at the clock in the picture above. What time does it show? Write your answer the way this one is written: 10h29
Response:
12h06
